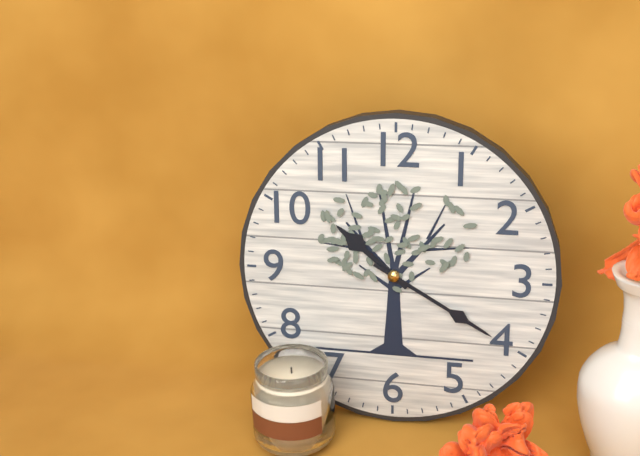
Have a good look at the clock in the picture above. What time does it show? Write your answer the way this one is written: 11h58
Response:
10h20
